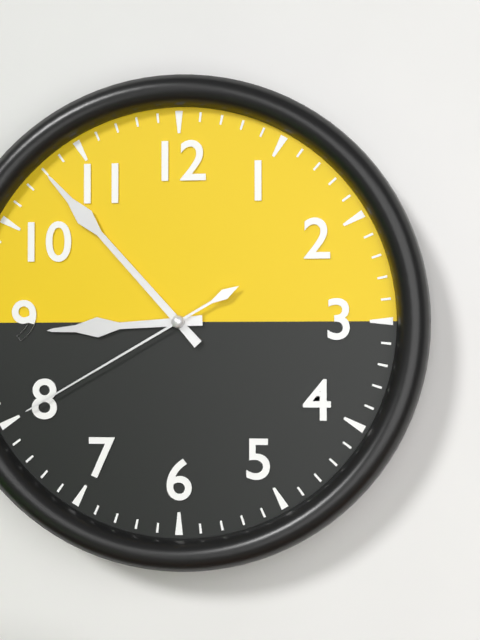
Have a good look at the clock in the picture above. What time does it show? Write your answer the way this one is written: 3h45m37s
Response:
8h53m40s
